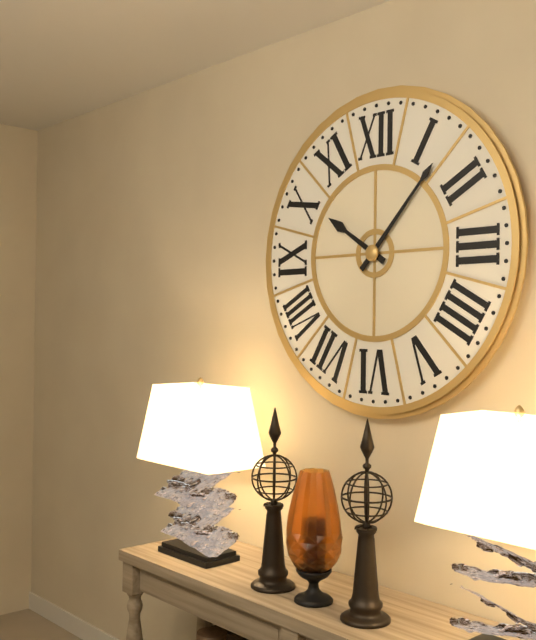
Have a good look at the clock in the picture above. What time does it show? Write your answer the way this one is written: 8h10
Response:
10h07
